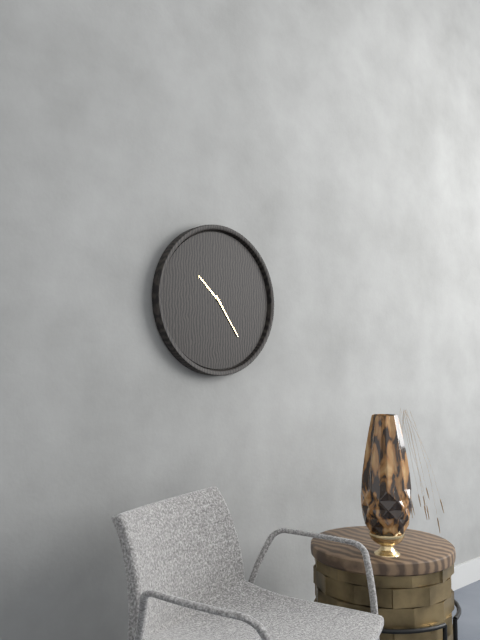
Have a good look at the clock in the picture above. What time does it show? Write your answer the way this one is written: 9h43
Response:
10h24
